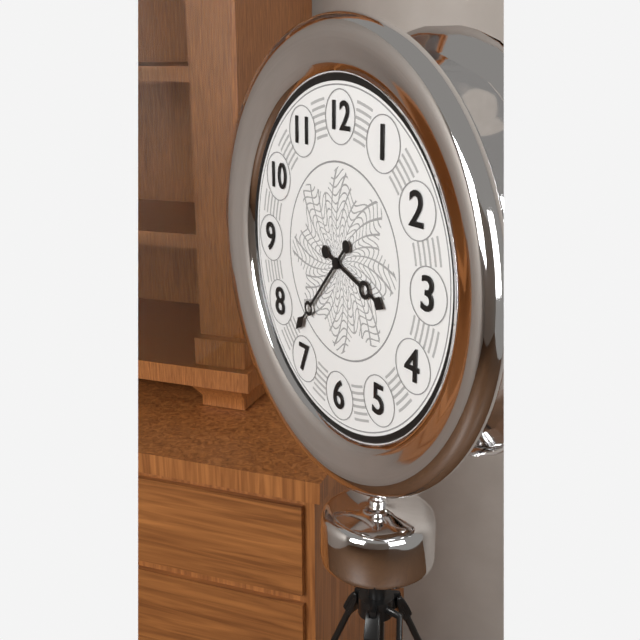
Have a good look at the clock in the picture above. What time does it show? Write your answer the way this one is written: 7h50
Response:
3h37
